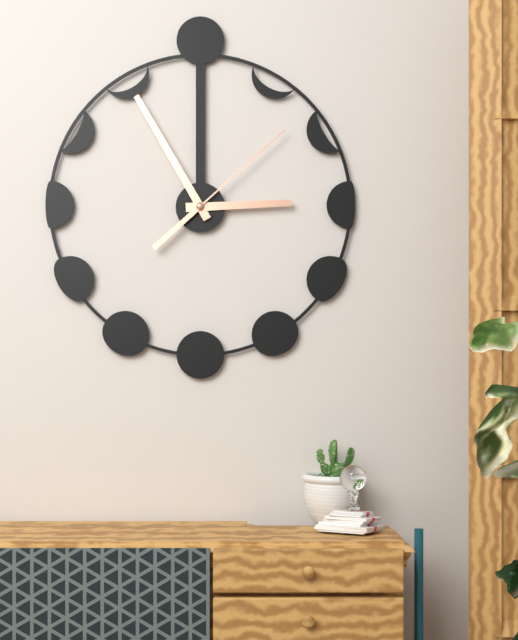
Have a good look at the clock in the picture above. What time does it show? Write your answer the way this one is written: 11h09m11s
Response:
2h55m08s
